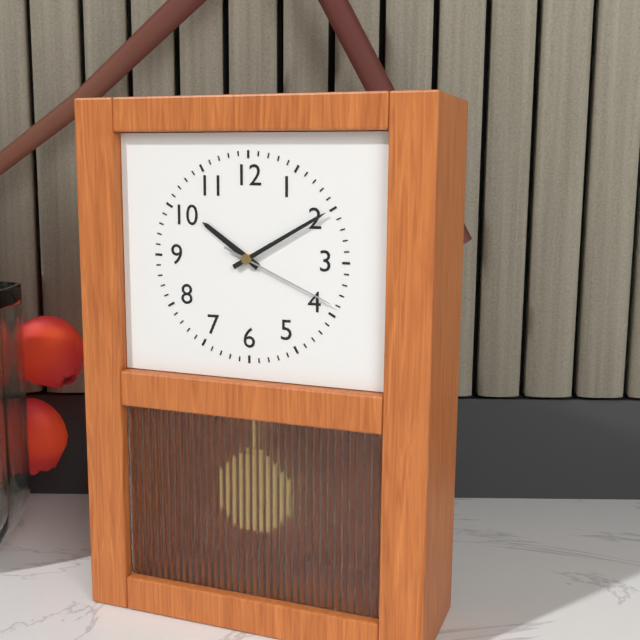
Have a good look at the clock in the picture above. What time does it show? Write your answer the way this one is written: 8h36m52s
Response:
10h10m19s
